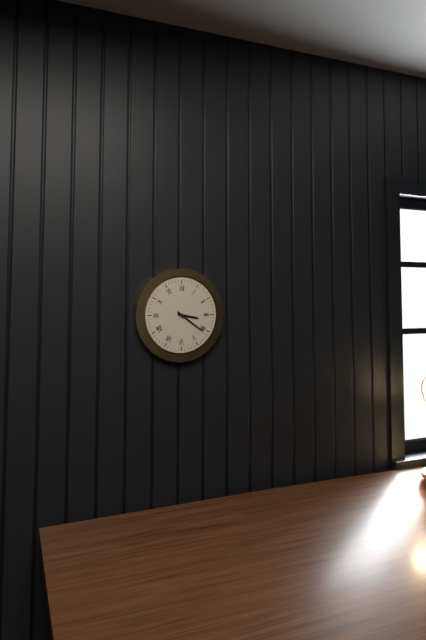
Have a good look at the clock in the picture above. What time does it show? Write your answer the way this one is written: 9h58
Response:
3h21
